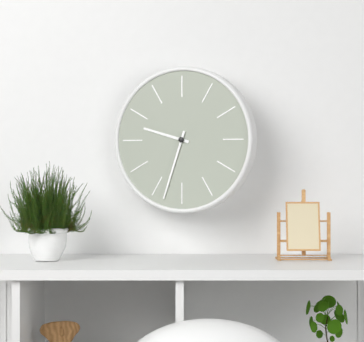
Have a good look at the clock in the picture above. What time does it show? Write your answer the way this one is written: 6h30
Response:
9h33
